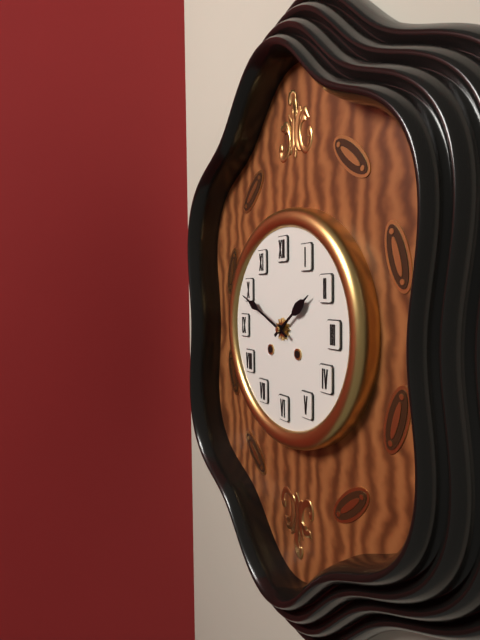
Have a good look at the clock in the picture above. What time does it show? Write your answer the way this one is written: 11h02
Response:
1h49
